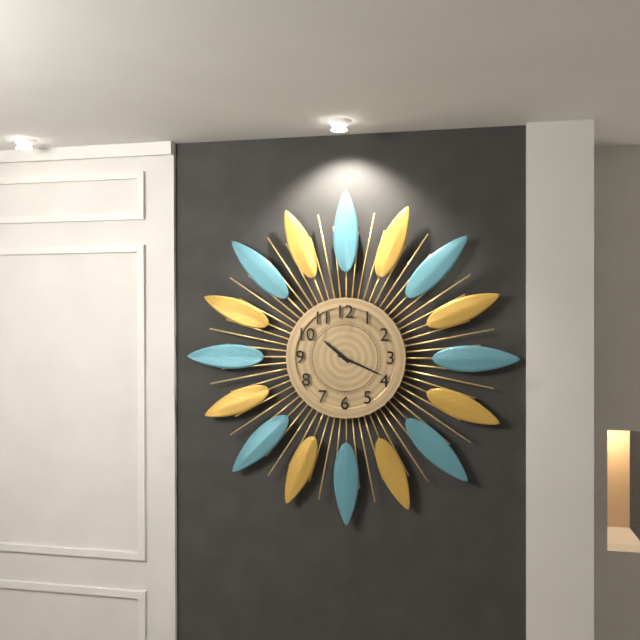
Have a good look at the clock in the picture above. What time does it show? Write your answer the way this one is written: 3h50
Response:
10h19
